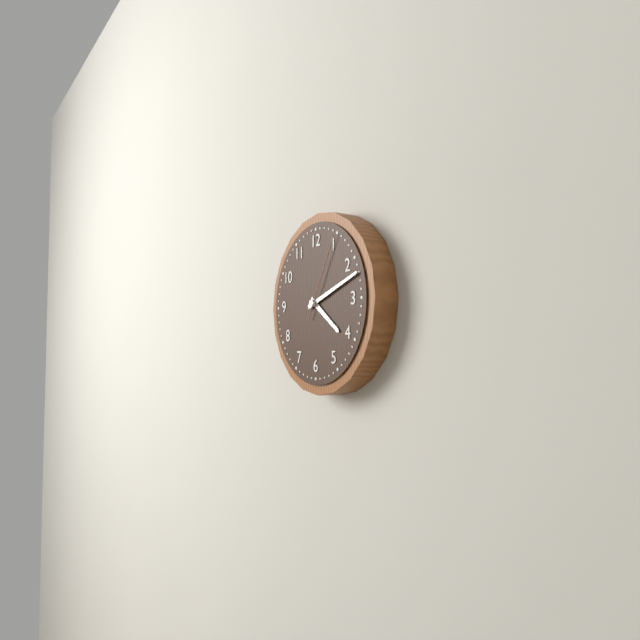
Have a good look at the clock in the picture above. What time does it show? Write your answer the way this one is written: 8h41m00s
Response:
4h12m05s
